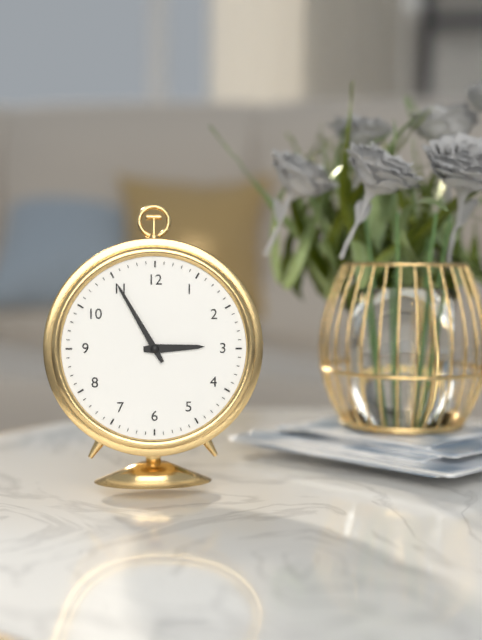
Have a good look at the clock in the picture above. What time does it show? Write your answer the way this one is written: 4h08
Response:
2h55
